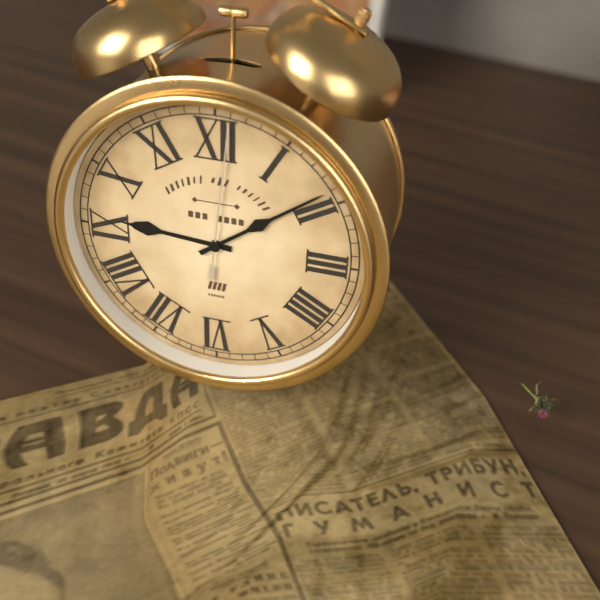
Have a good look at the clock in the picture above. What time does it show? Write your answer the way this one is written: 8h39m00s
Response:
9h09m01s
